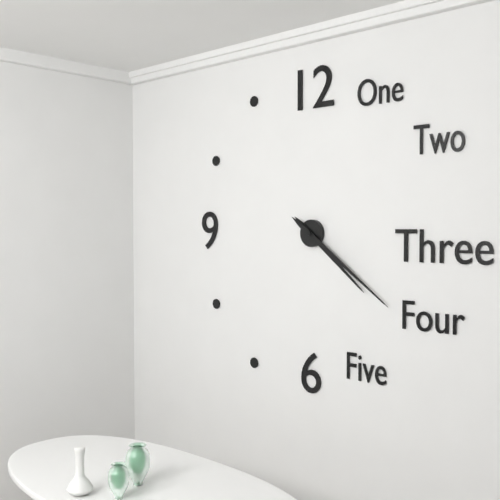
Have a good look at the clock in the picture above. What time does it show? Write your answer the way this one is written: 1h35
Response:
4h21
